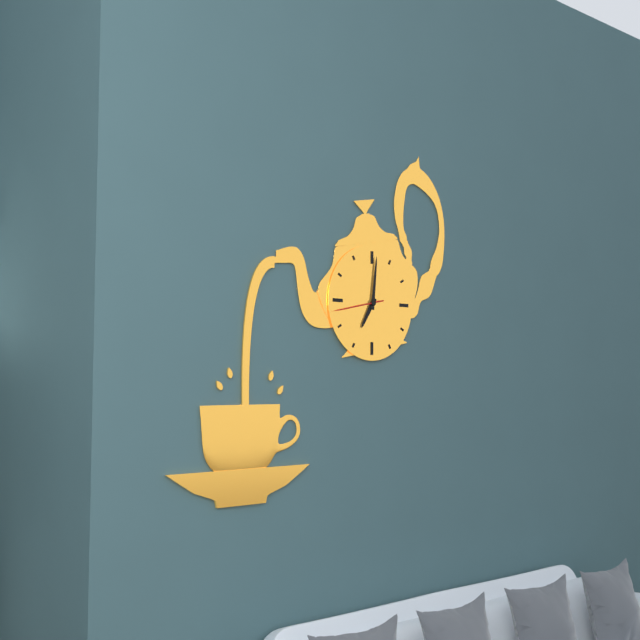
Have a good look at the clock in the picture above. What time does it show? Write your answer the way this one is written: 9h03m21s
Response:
7h01m43s
